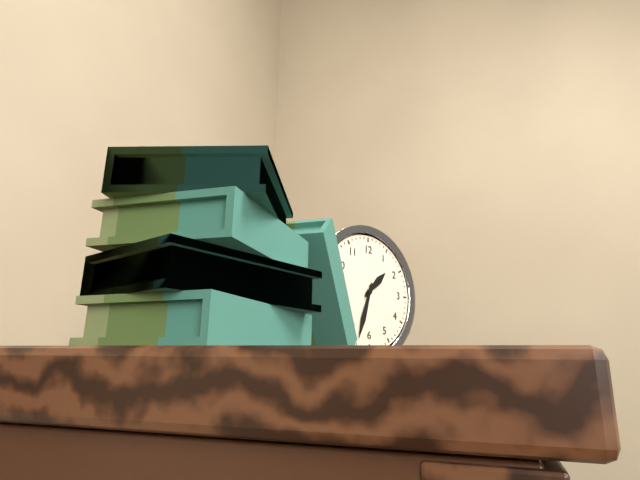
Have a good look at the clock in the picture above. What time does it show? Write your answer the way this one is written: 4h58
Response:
1h33
